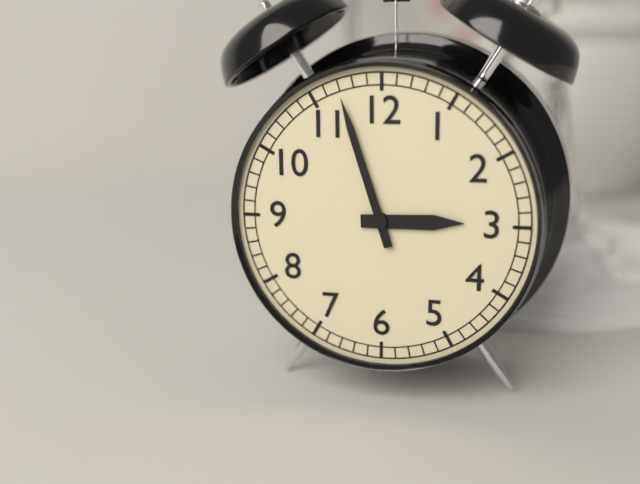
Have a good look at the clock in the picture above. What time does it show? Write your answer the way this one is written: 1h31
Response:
2h57
